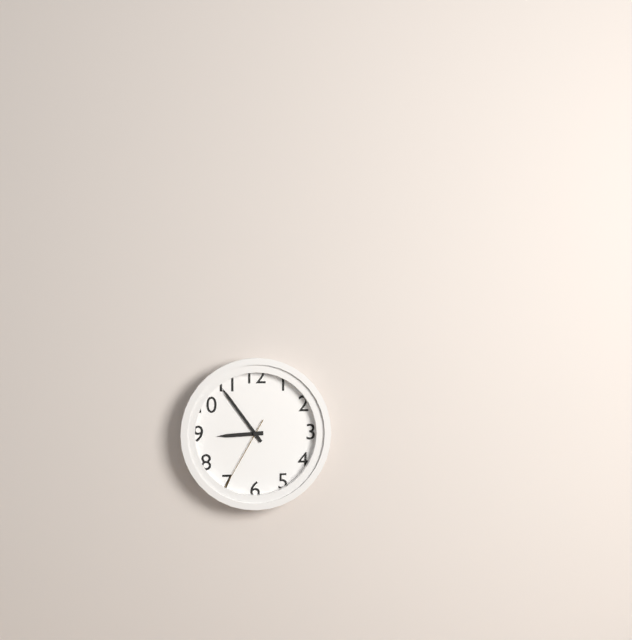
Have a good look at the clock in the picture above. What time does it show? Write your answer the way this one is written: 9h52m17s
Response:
8h54m35s
